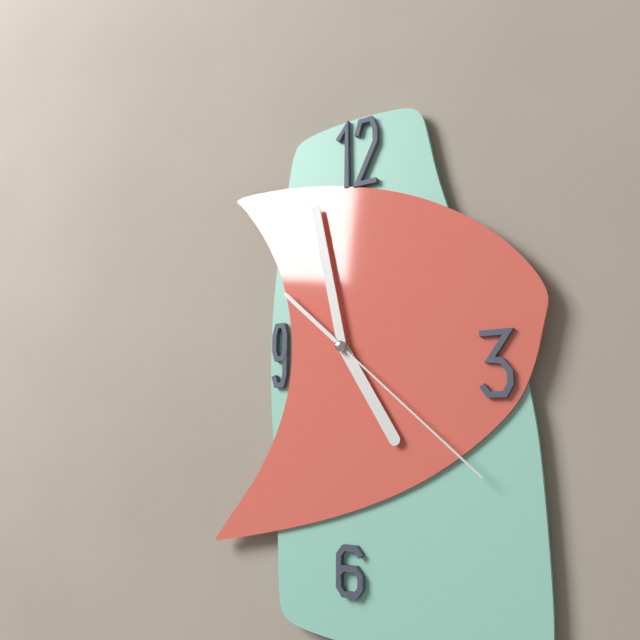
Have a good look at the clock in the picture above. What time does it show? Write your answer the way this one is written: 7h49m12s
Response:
4h58m22s
